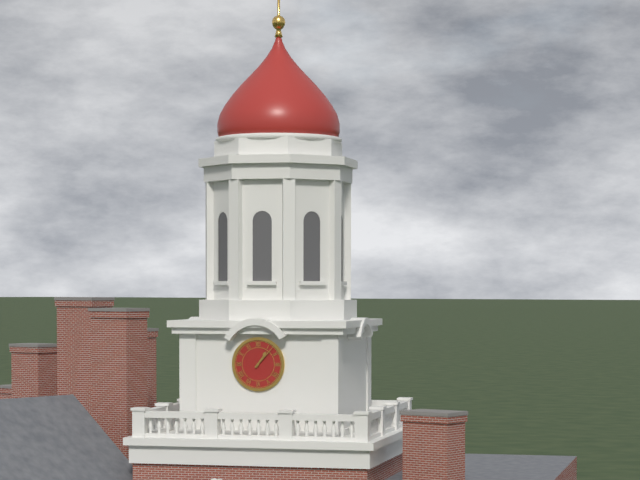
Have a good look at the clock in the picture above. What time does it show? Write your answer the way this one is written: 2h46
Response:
1h07
